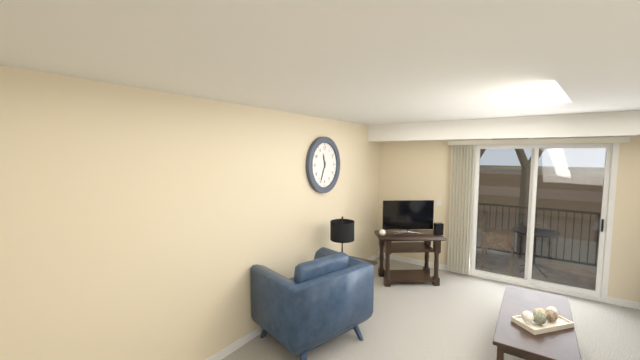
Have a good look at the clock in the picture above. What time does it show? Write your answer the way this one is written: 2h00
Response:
11h34
